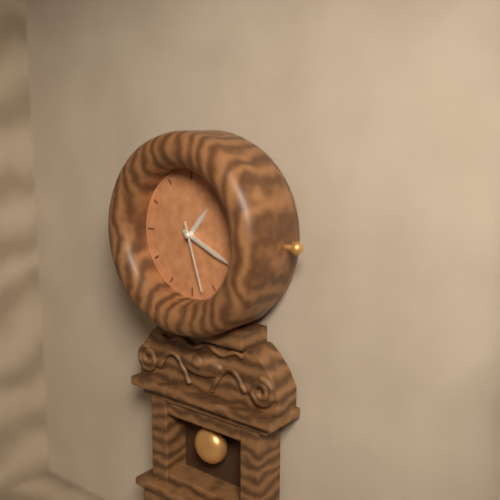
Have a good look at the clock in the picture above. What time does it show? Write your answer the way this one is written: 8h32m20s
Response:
1h19m27s
